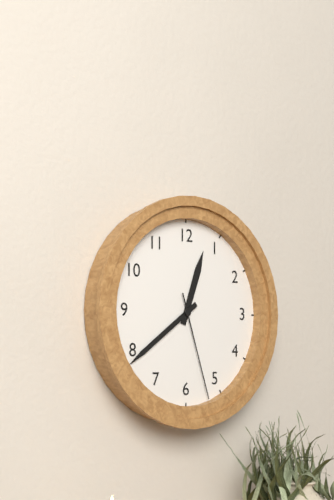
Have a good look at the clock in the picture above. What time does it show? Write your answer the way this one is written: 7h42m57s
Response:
12h39m27s
